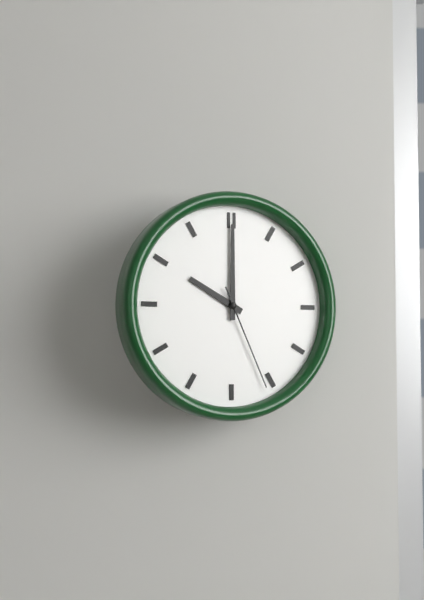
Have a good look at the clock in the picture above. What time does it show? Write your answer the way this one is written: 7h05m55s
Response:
10h00m26s
